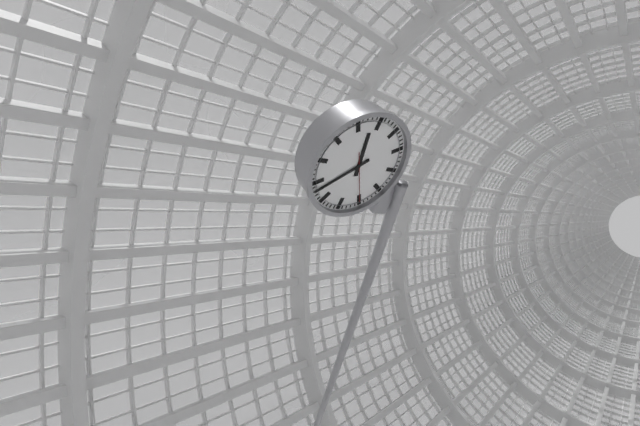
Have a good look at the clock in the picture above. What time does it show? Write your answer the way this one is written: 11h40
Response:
11h38
